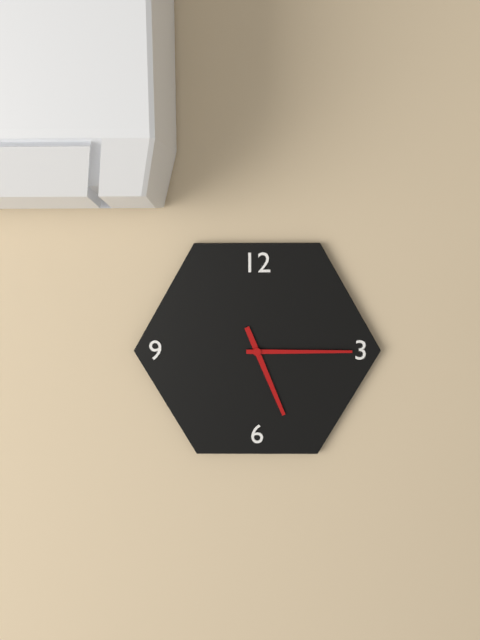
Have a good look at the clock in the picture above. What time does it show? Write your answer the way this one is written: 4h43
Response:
5h15
